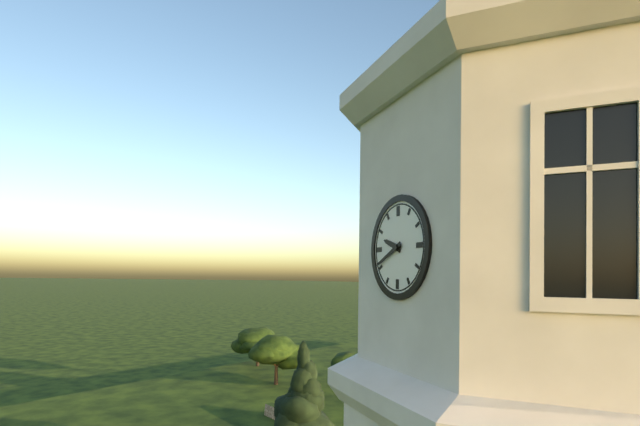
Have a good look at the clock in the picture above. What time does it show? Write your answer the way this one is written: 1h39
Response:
9h41
